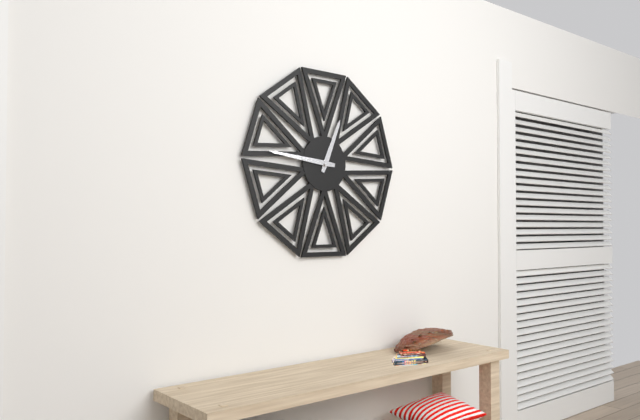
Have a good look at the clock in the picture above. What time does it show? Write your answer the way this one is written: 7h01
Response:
12h46
